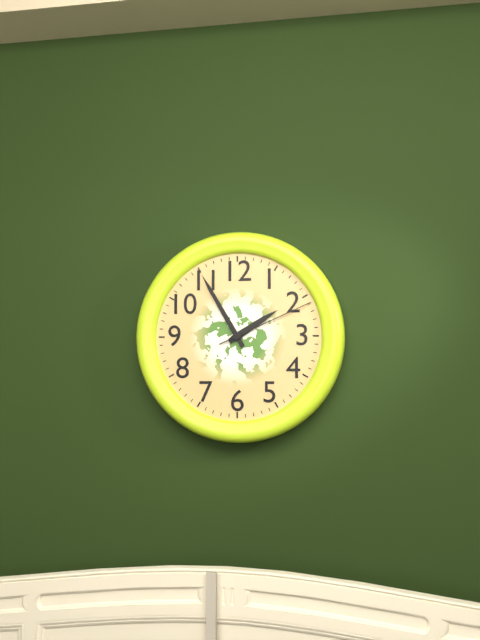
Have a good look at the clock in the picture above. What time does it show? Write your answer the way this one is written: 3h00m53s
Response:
1h55m11s
